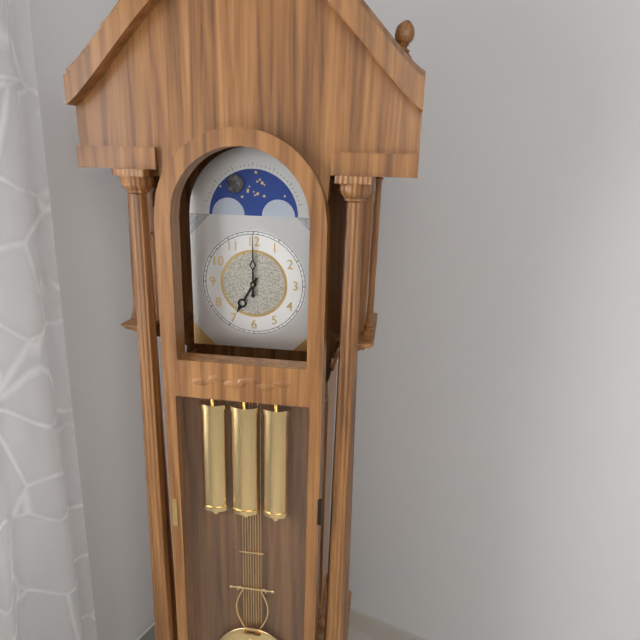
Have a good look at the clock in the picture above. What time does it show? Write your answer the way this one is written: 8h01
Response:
7h00
